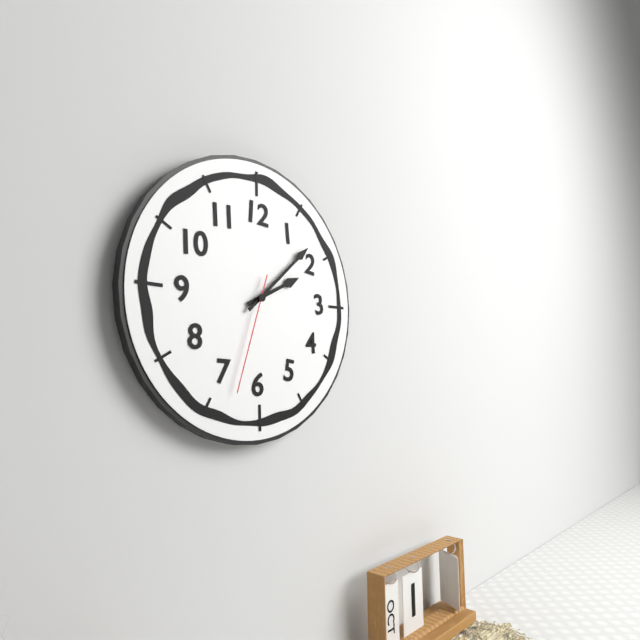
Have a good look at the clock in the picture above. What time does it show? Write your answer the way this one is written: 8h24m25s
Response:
2h08m33s
